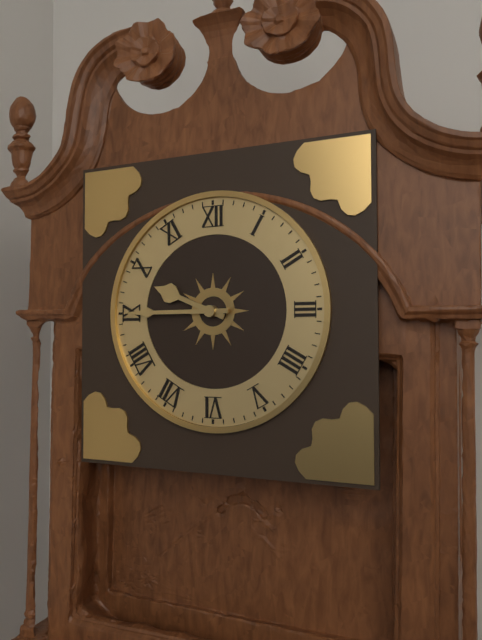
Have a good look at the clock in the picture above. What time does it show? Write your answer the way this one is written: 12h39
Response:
9h45
